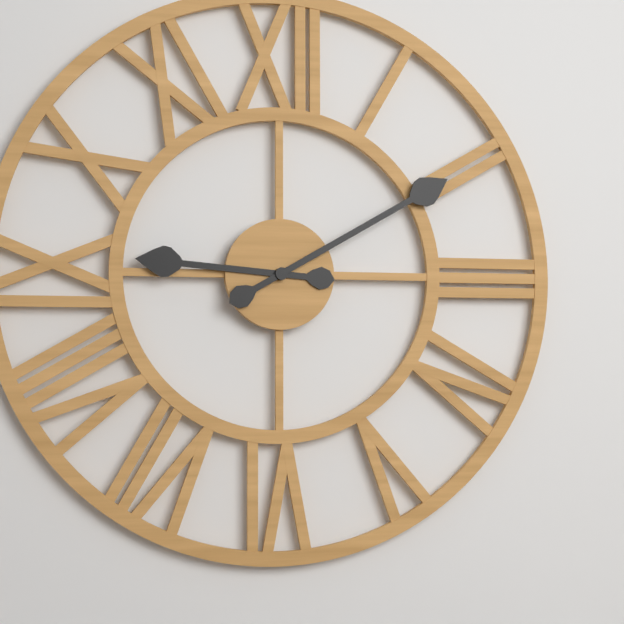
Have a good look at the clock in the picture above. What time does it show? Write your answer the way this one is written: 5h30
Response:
9h10
